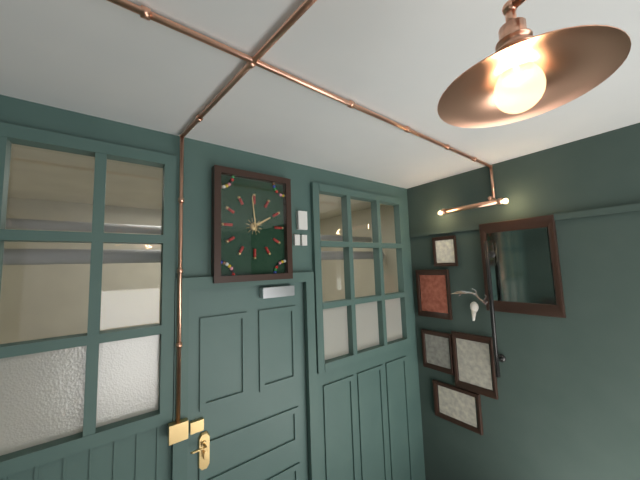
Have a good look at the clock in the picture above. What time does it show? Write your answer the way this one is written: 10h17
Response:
1h59
